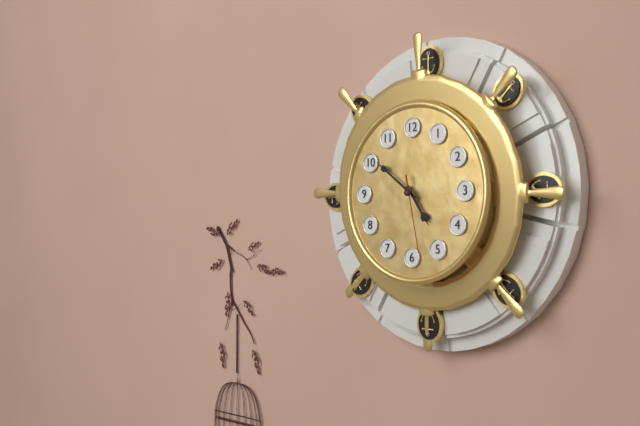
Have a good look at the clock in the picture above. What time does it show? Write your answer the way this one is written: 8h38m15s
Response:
4h51m28s
